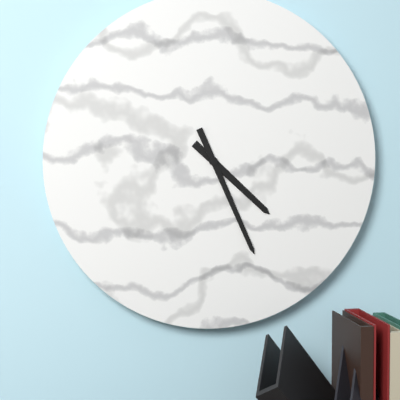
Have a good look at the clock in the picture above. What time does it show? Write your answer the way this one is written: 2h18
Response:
4h26
